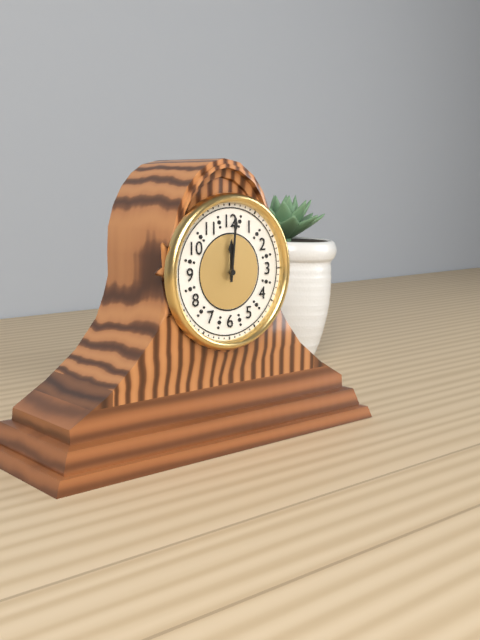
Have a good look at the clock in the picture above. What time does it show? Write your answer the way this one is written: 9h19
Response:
12h01
